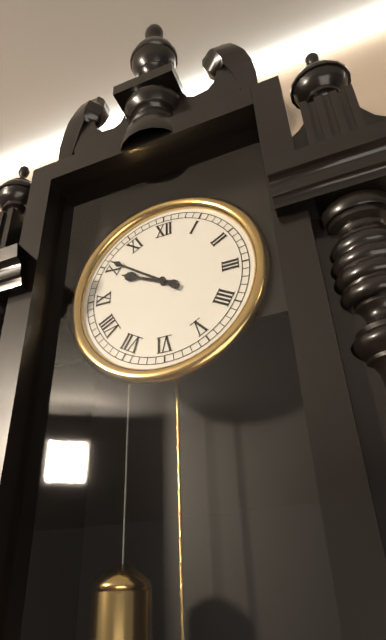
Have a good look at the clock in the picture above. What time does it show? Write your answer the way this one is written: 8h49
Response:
9h51
